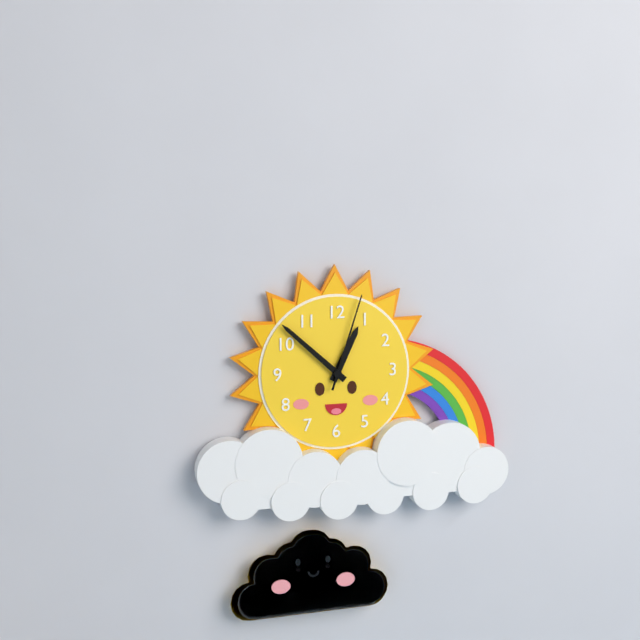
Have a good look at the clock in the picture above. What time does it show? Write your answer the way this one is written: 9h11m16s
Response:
12h52m03s
